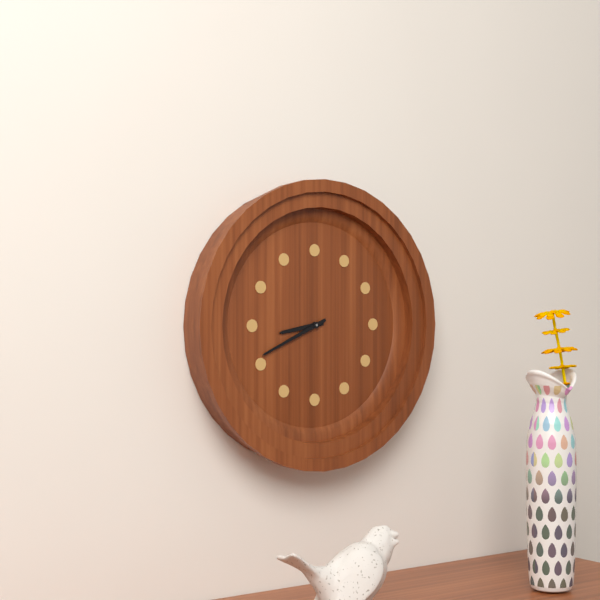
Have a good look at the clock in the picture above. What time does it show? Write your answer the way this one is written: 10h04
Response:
8h41
